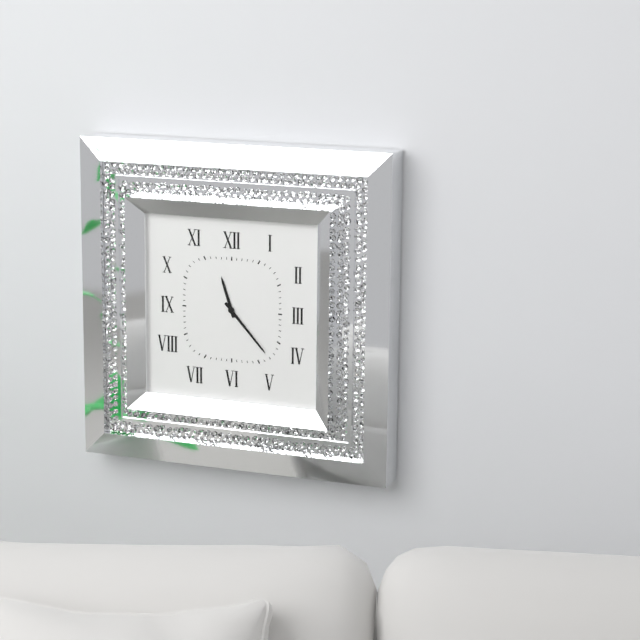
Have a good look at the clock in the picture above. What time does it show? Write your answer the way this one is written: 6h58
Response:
11h23
